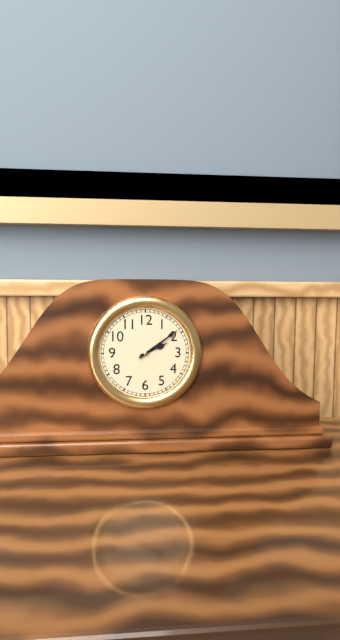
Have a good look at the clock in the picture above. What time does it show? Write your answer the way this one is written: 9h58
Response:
2h09
